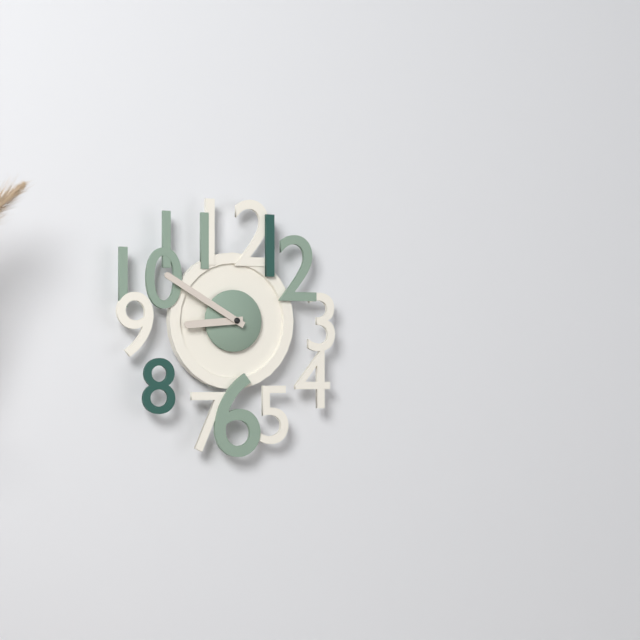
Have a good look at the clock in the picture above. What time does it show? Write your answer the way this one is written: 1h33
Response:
8h50
